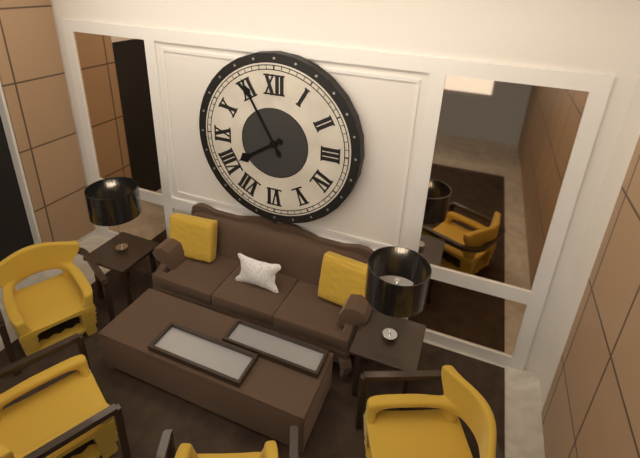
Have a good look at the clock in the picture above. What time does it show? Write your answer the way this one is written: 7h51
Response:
7h55
